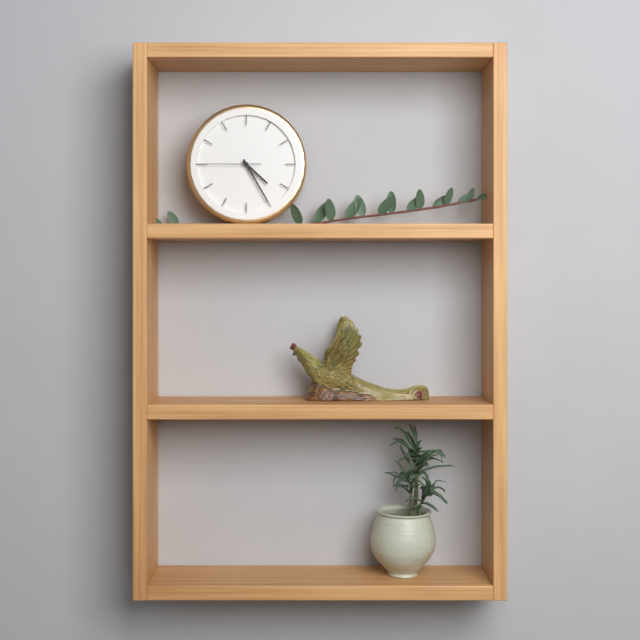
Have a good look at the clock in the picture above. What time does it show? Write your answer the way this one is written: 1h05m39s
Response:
4h25m45s
